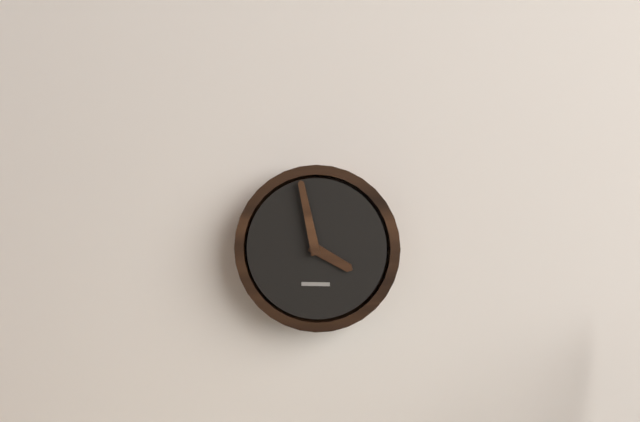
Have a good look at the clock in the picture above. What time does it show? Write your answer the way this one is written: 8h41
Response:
3h58
